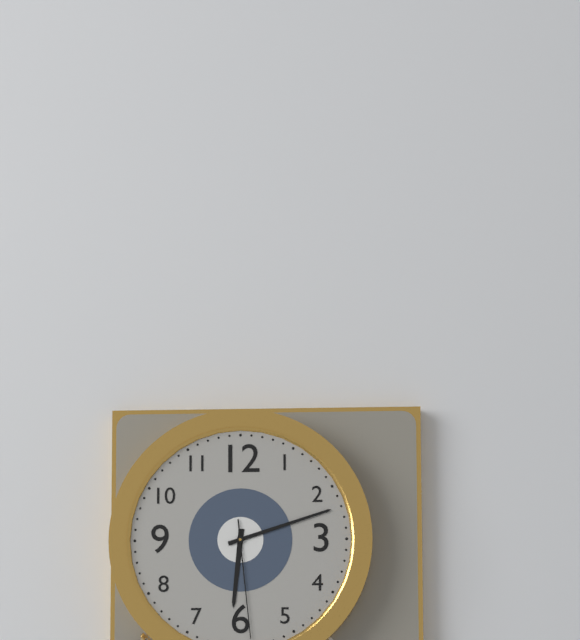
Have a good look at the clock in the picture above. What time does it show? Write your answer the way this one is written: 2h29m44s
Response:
6h12m29s
